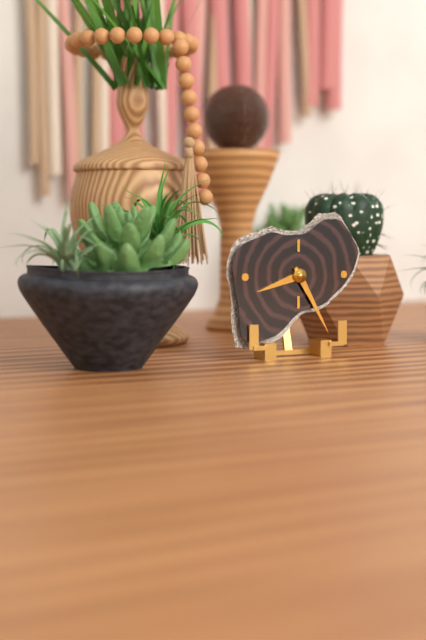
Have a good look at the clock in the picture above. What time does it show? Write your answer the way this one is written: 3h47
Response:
8h25
